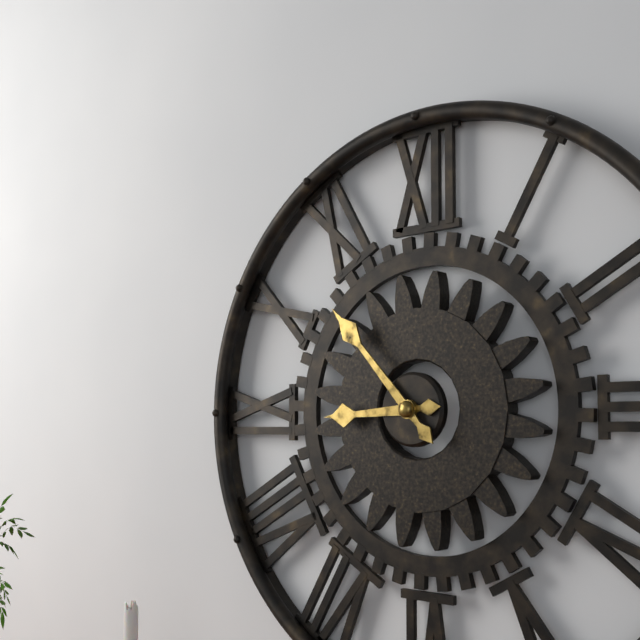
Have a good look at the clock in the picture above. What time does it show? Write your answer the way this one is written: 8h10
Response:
8h53
